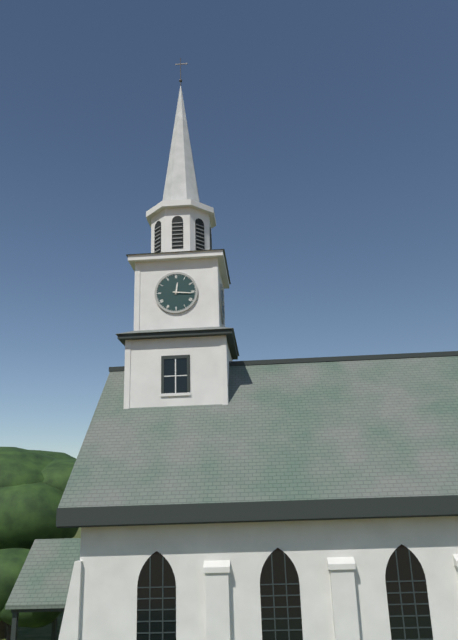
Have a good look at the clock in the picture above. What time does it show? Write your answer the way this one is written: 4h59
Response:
12h16
